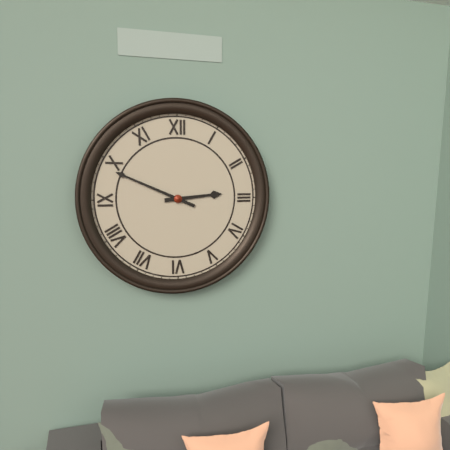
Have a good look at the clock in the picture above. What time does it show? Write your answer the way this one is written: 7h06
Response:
2h49
